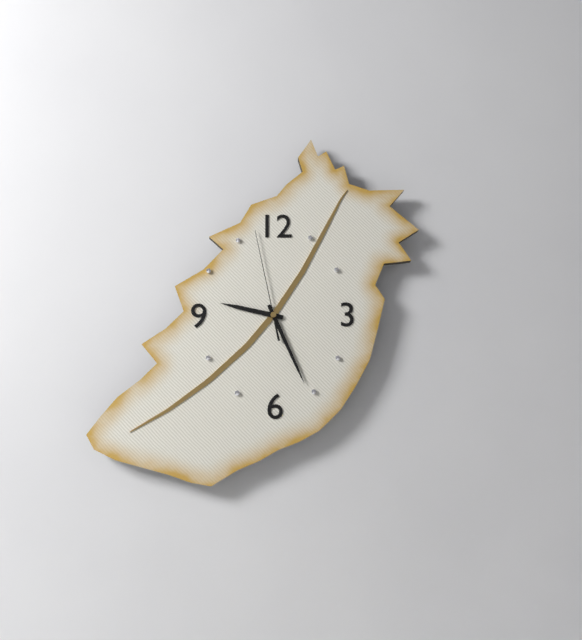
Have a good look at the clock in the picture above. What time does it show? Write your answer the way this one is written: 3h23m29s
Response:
9h26m58s
